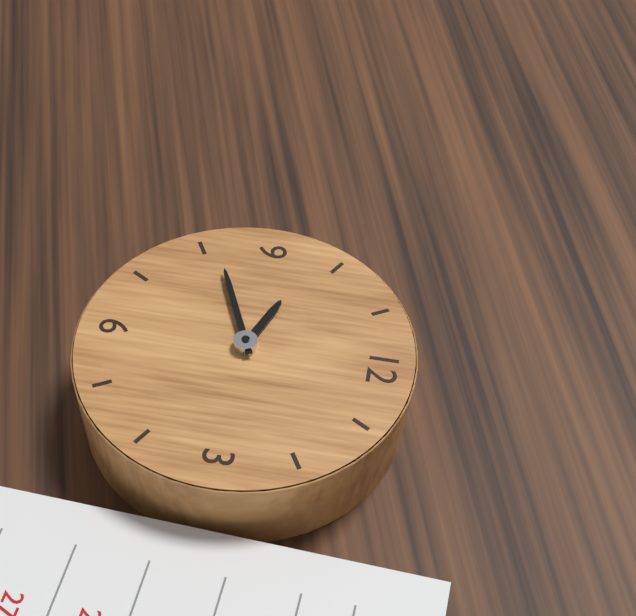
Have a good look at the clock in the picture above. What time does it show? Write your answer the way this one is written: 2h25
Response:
9h41
